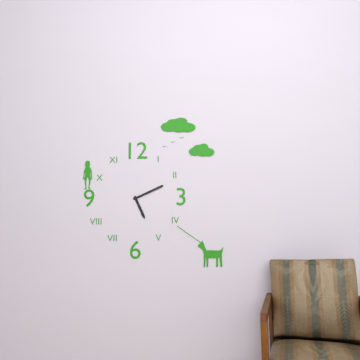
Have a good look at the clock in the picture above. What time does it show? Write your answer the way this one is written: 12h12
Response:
5h11
